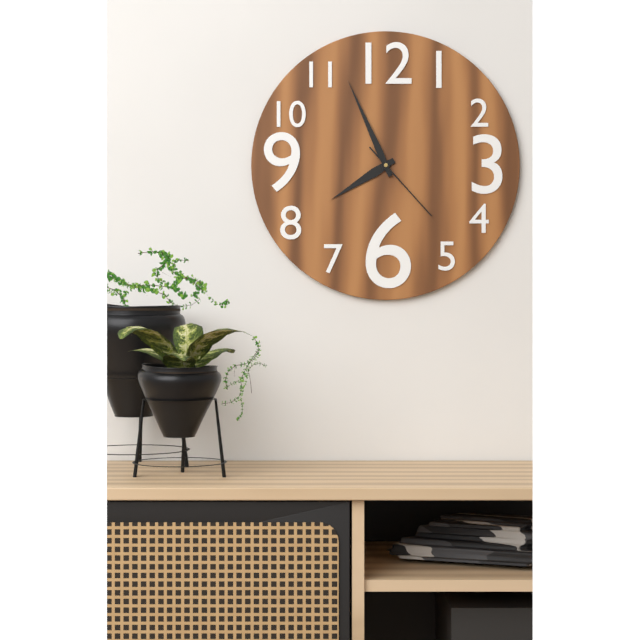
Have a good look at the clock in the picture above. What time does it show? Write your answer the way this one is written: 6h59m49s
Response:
7h56m23s
